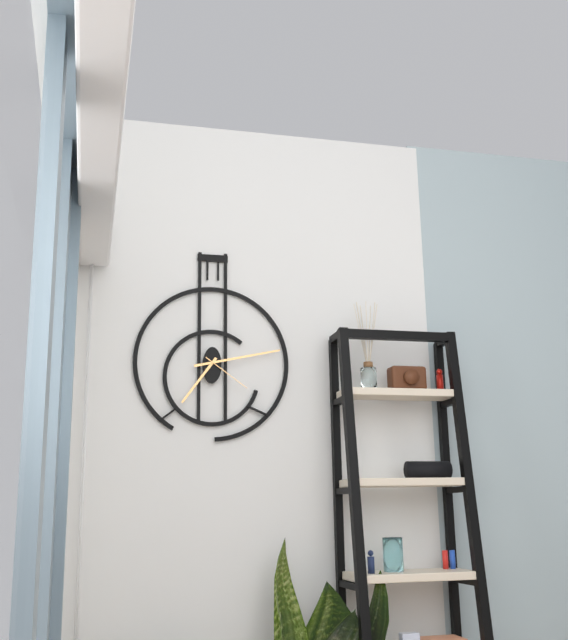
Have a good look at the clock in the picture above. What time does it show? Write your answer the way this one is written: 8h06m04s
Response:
7h13m21s
